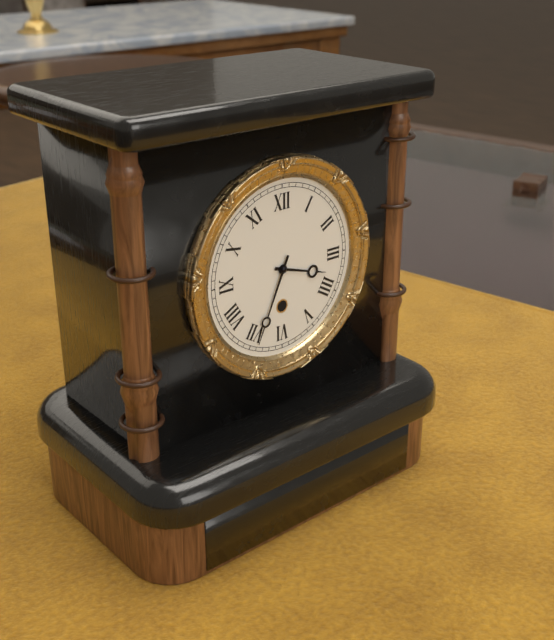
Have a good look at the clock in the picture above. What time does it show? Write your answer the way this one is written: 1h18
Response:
3h34
